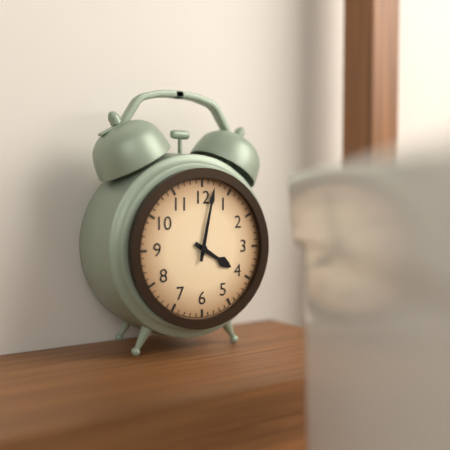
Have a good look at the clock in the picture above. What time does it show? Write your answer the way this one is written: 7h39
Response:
4h02
